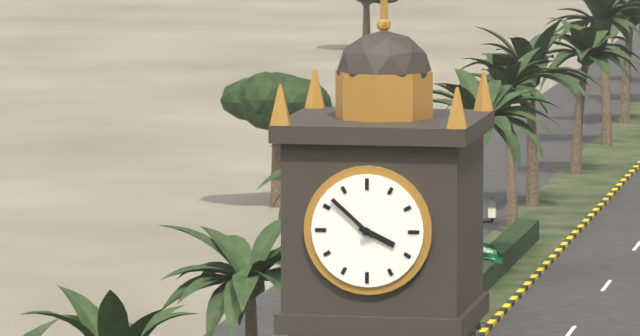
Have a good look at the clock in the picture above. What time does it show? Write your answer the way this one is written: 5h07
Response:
3h52
